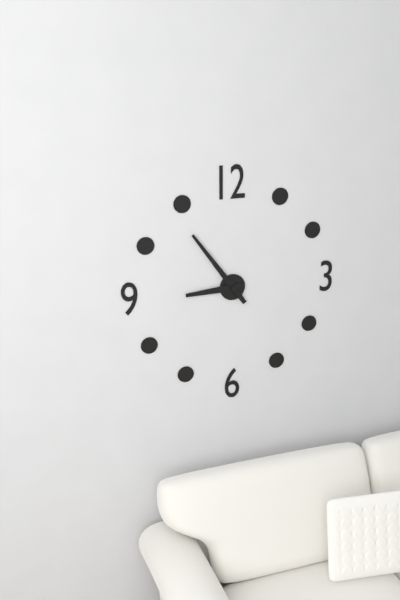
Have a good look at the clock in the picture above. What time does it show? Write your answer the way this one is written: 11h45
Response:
8h54
